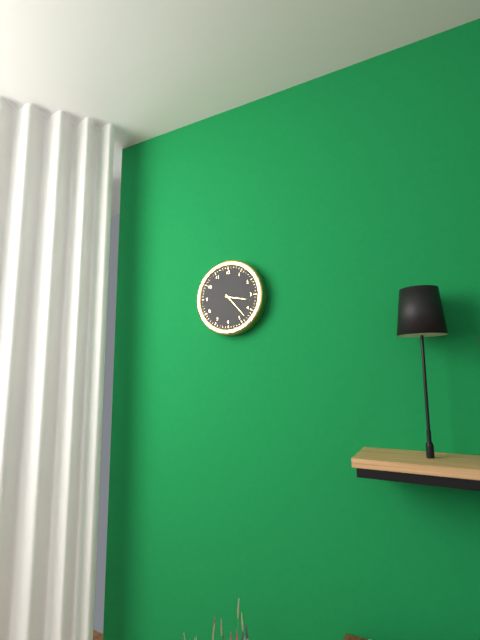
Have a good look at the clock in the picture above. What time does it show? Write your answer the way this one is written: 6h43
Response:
3h23
